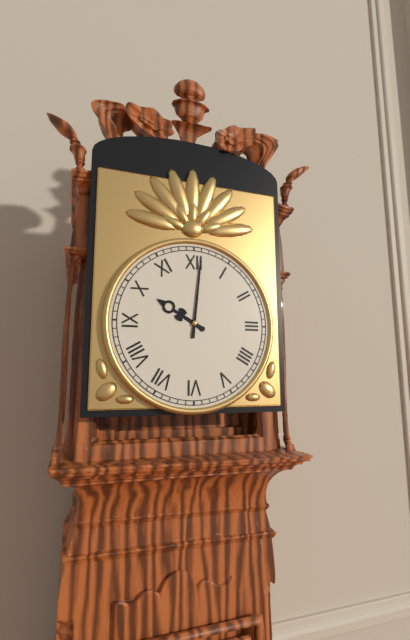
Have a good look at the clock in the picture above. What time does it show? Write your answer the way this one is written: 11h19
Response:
10h01
